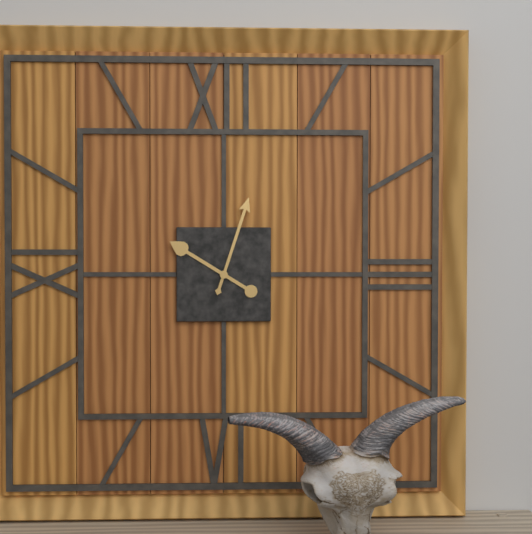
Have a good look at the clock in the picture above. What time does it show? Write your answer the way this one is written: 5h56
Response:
10h03
